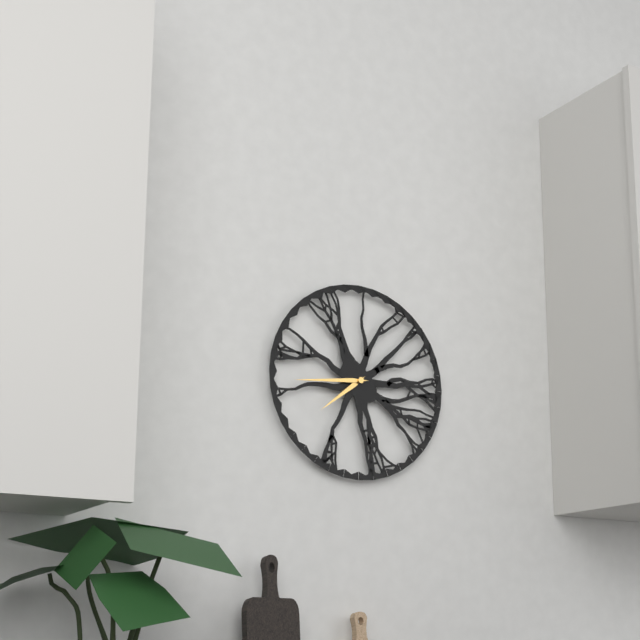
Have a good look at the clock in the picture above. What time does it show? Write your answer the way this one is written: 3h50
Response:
7h44
